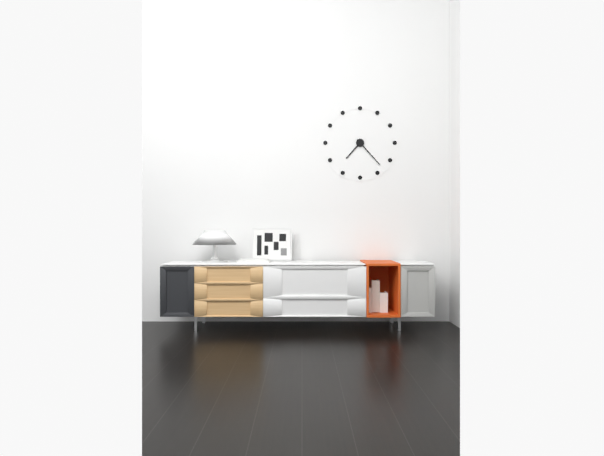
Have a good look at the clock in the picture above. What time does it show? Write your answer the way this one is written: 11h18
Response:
7h23
